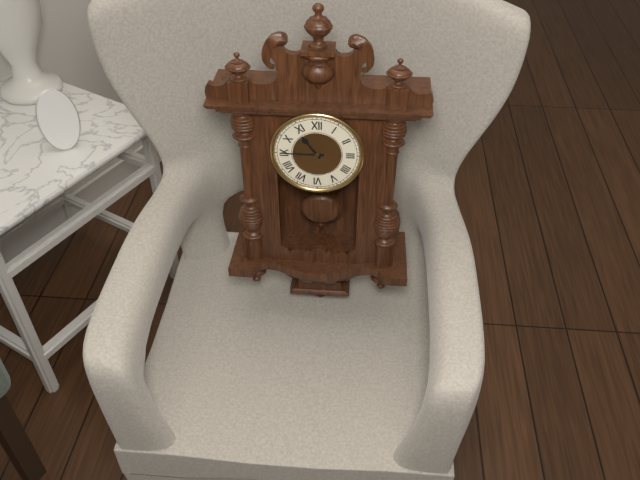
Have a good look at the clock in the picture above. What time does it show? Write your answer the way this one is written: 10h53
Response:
10h45
